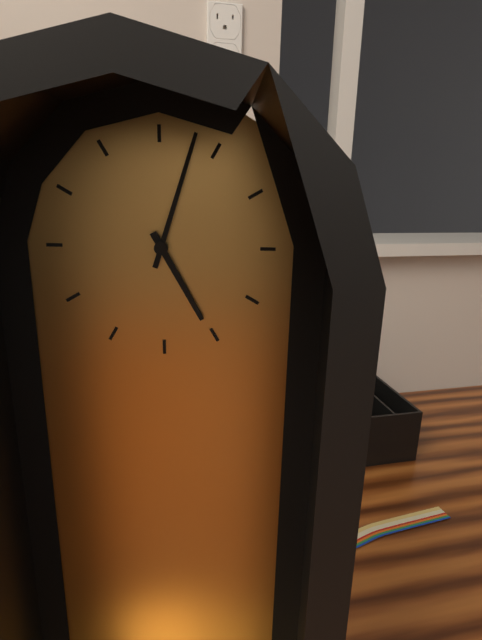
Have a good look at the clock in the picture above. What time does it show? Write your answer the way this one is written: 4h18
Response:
5h03
